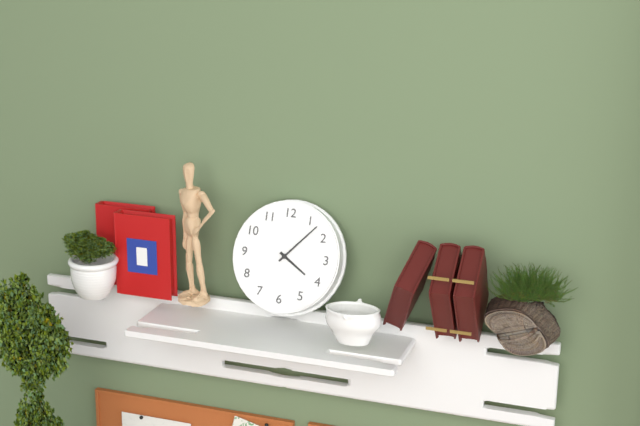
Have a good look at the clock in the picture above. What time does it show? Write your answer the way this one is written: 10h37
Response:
4h07
